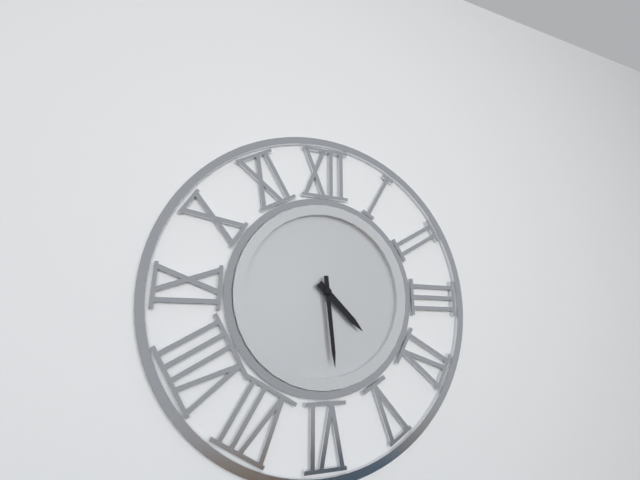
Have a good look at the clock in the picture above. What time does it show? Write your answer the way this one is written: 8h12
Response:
4h29
